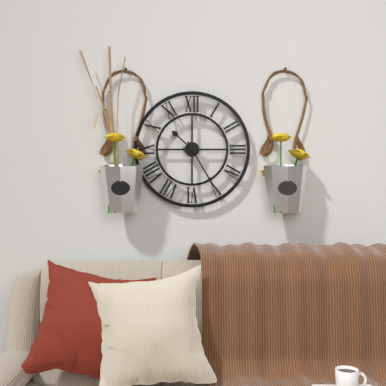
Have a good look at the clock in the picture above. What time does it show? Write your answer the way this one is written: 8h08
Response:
10h25
